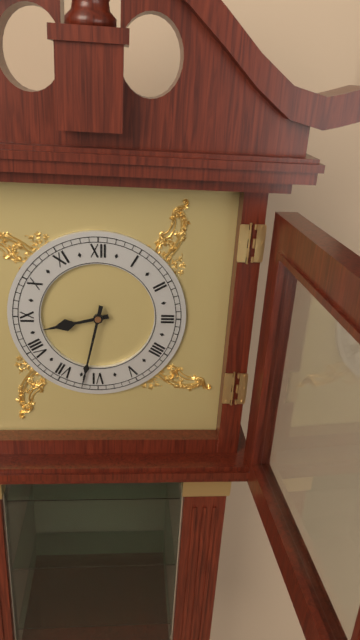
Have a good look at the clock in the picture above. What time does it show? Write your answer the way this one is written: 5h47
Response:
8h32
